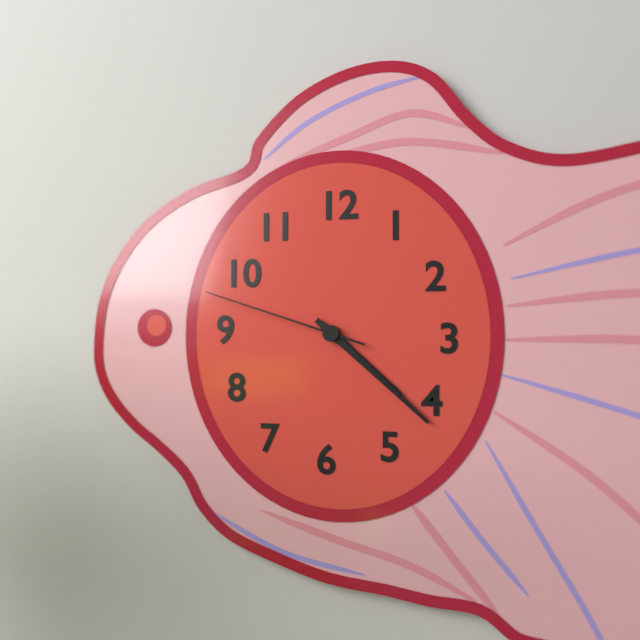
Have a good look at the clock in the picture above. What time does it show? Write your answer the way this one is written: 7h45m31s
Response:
4h22m48s
